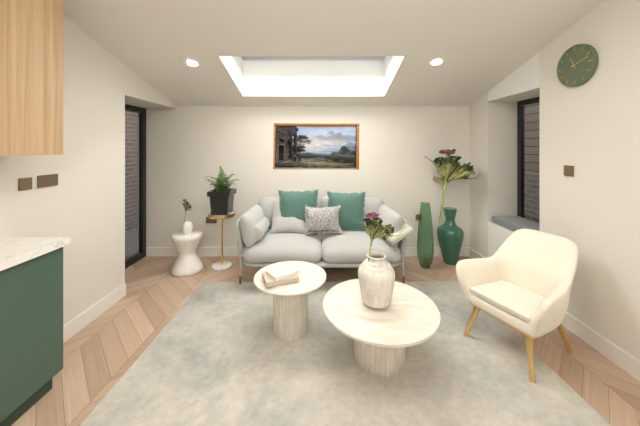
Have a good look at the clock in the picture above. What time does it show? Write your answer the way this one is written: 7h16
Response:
11h12
